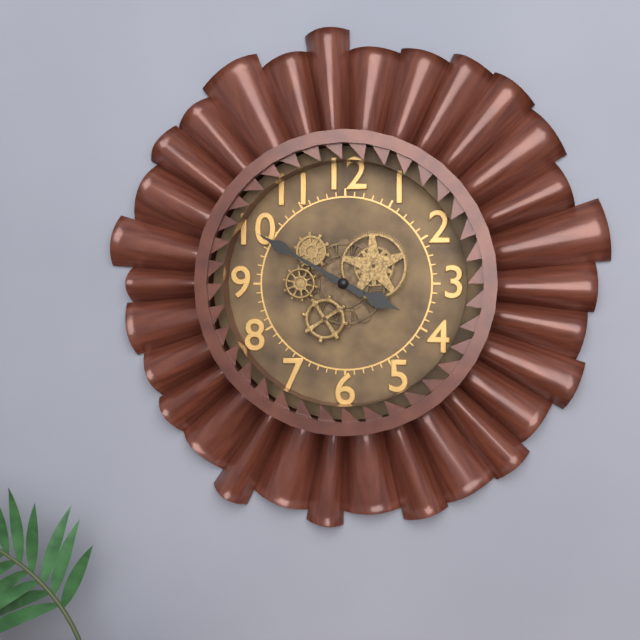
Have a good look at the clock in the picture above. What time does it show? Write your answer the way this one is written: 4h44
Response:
3h50
